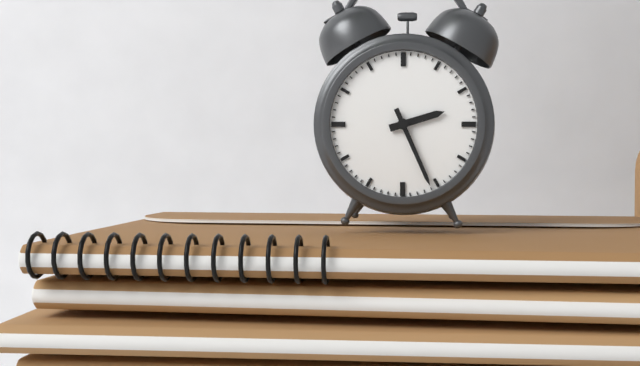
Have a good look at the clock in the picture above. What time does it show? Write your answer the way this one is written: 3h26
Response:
2h26
